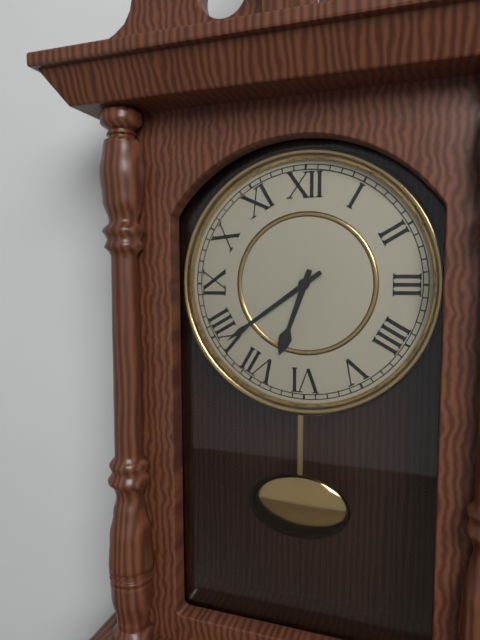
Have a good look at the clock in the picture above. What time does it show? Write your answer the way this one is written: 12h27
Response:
6h39
